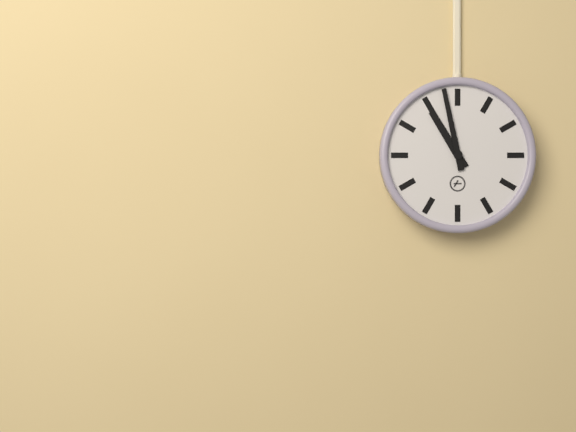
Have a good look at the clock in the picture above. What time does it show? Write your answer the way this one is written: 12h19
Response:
10h58
